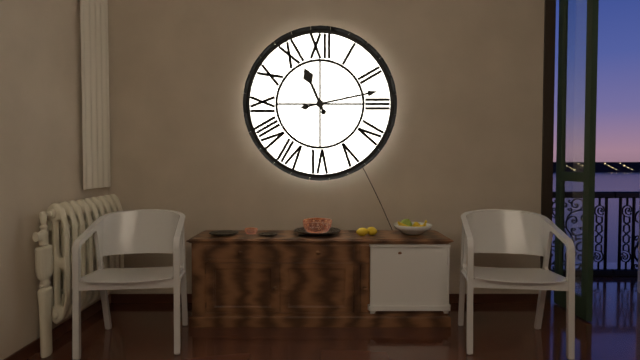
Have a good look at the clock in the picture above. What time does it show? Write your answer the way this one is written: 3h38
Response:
11h13
